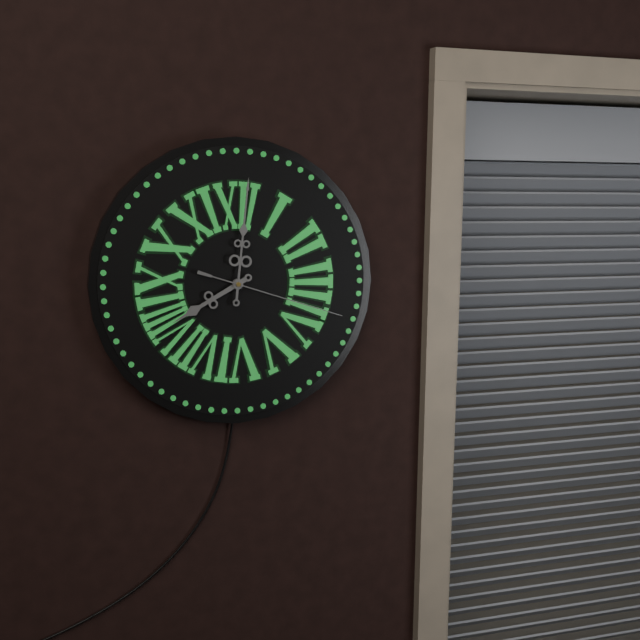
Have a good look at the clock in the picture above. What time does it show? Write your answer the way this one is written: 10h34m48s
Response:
8h01m18s
